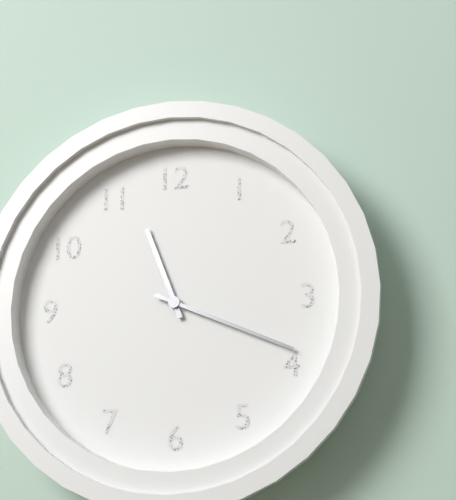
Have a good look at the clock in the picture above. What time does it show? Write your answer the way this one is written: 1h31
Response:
11h19
